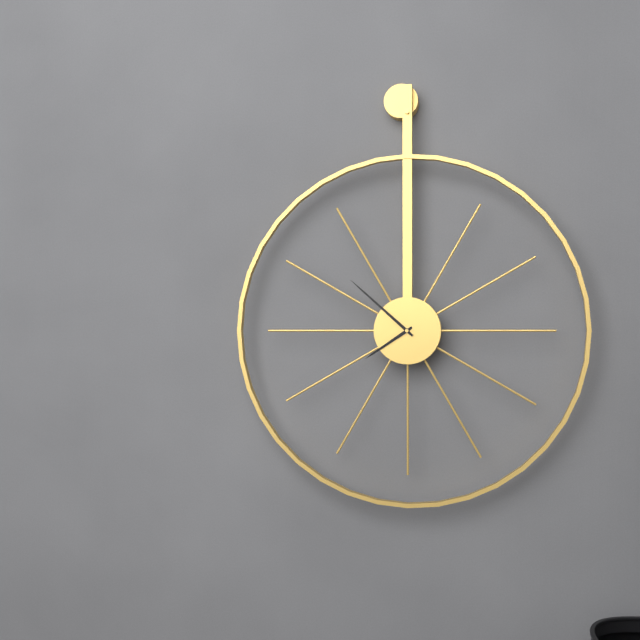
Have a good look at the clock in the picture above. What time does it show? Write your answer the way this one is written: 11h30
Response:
7h52
